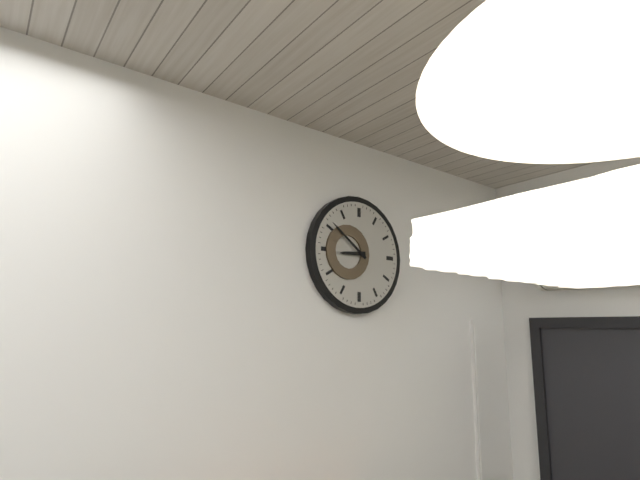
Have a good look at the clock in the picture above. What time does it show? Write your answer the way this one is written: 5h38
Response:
8h51
